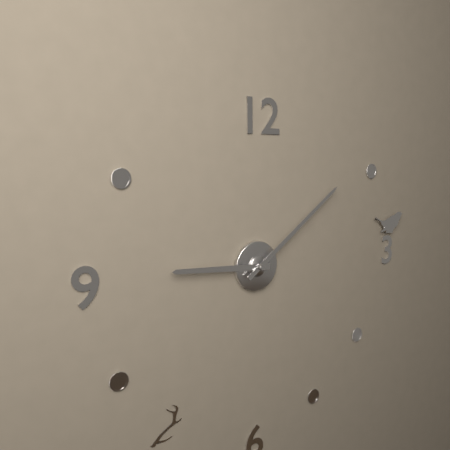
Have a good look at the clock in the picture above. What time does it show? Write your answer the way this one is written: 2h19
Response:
9h09
